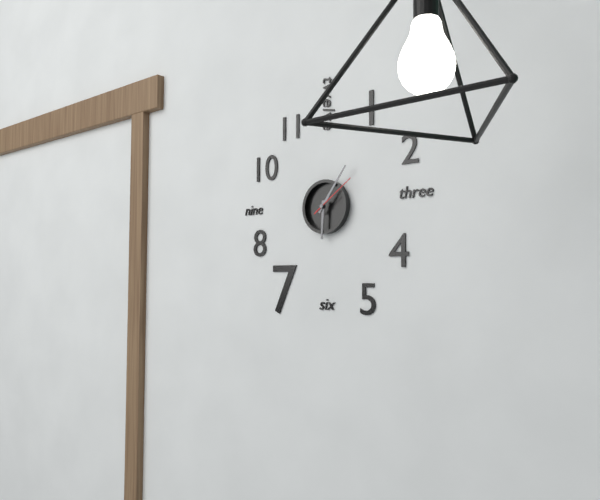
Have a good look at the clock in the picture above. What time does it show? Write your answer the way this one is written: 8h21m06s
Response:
6h06m09s
